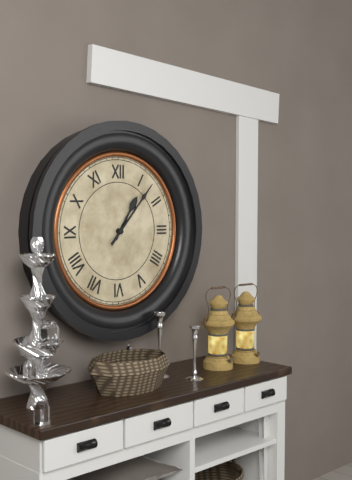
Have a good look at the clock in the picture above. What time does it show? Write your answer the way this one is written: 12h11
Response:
1h07
